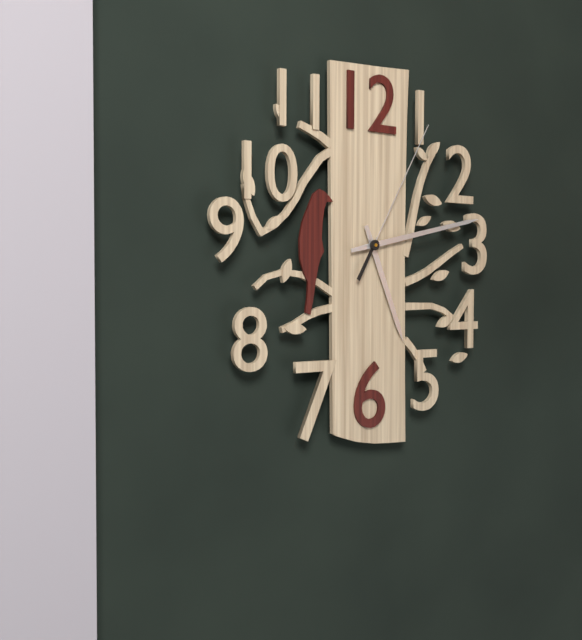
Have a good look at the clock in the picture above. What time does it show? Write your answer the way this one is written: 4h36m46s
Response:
5h13m05s
